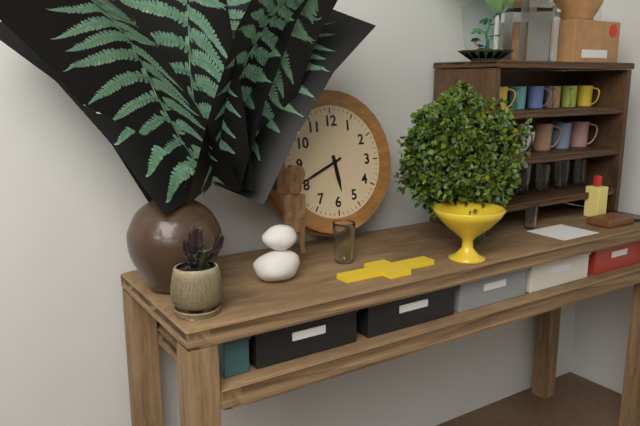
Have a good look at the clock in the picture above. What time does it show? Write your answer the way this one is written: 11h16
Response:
5h41
